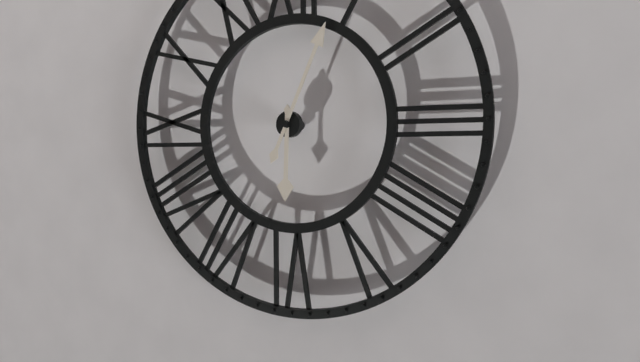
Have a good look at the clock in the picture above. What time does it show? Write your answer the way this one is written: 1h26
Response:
6h04
